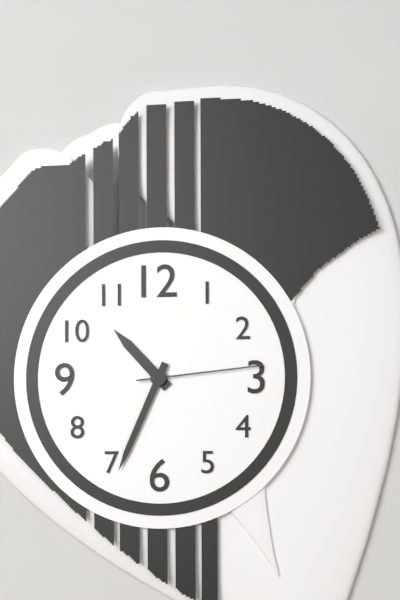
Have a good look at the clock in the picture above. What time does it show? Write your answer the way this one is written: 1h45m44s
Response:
10h34m14s
